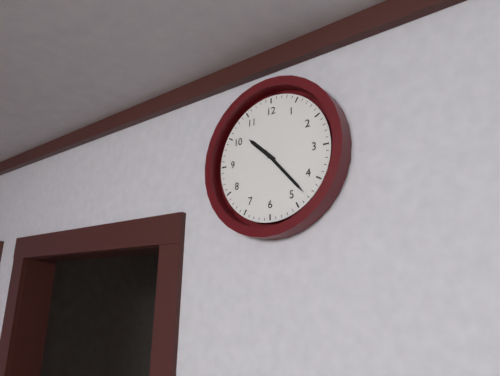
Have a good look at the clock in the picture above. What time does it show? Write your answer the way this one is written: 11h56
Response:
10h23
